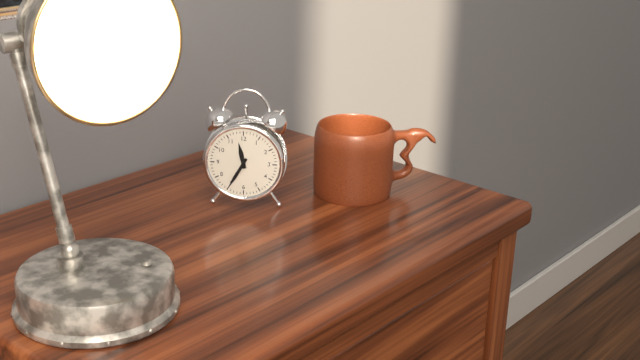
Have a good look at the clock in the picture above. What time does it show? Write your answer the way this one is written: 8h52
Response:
11h35
